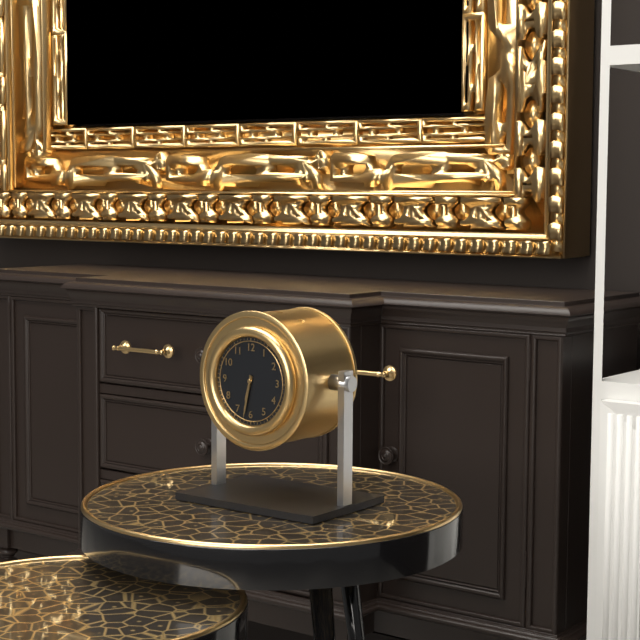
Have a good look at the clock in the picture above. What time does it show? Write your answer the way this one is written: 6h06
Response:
6h32
